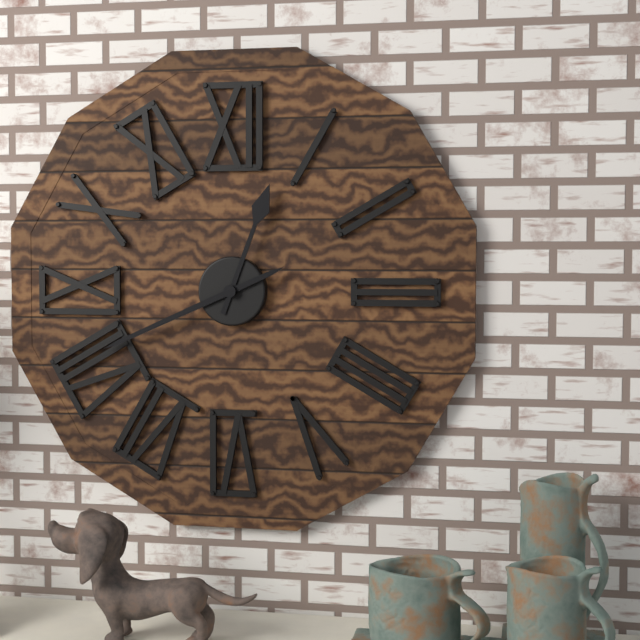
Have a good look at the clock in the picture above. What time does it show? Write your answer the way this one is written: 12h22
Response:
12h41
